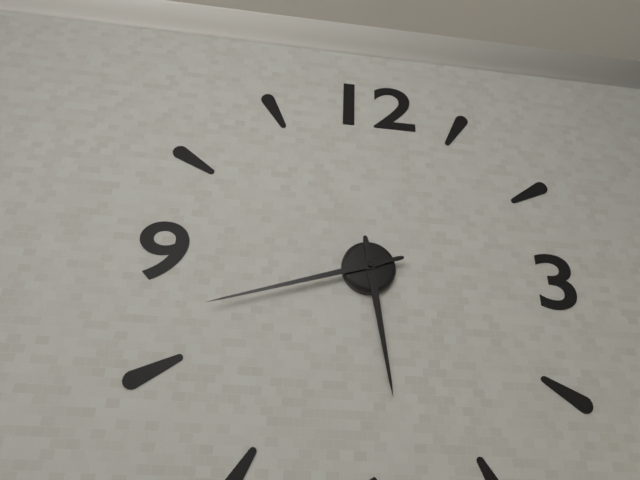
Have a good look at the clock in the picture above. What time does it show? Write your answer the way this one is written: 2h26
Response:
5h42
